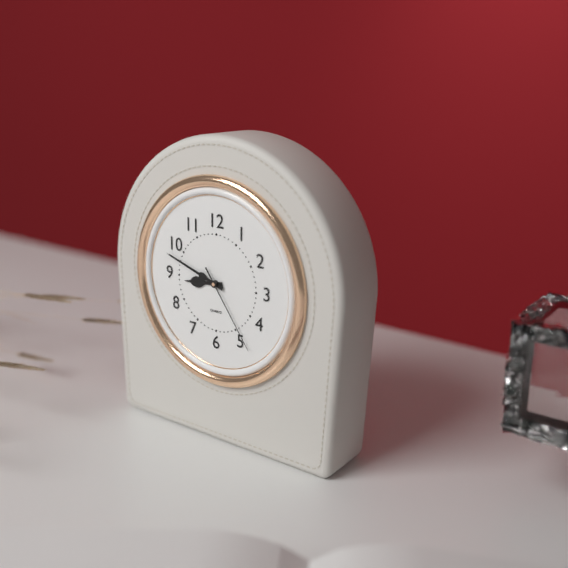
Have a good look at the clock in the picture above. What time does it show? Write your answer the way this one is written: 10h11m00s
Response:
8h48m24s
